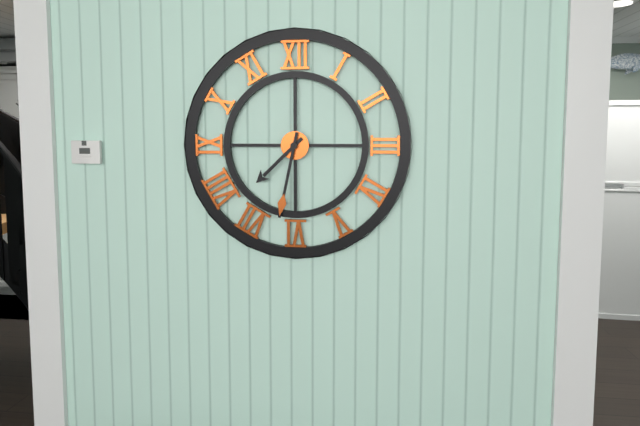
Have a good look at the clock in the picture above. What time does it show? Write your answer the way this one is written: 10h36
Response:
7h32
